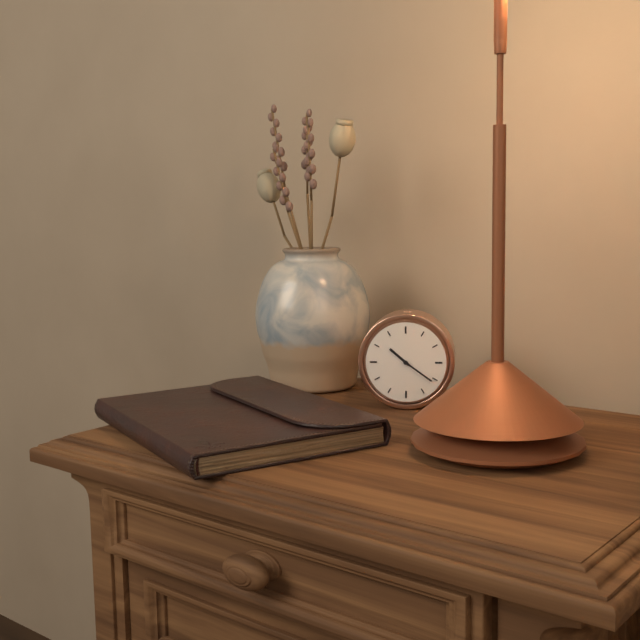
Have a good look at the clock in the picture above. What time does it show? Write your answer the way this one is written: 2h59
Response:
10h21
